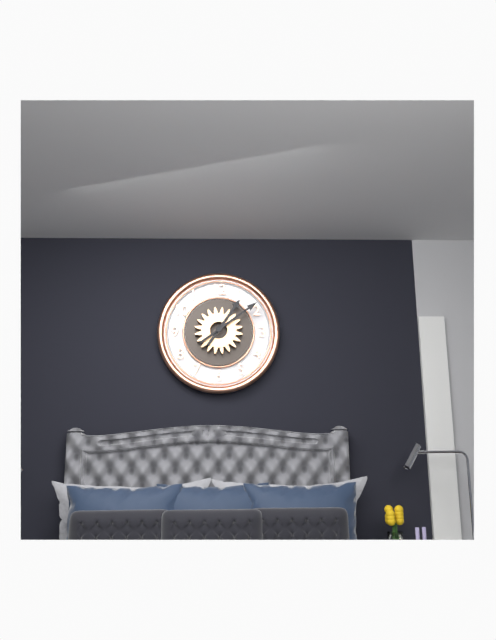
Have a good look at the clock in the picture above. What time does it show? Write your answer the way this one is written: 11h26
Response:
1h09
